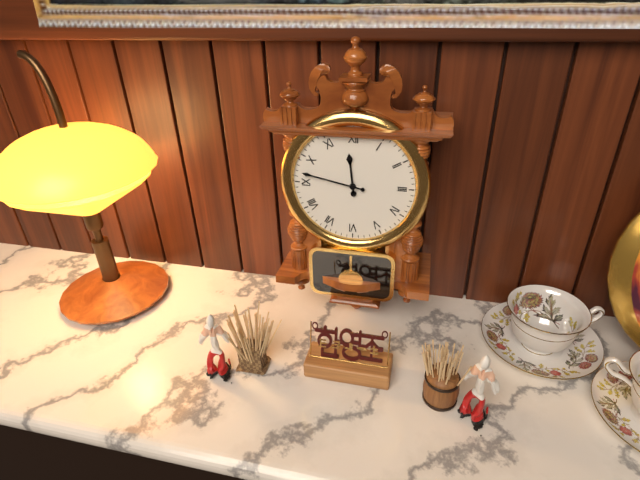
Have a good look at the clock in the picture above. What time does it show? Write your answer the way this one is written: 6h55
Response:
11h47
